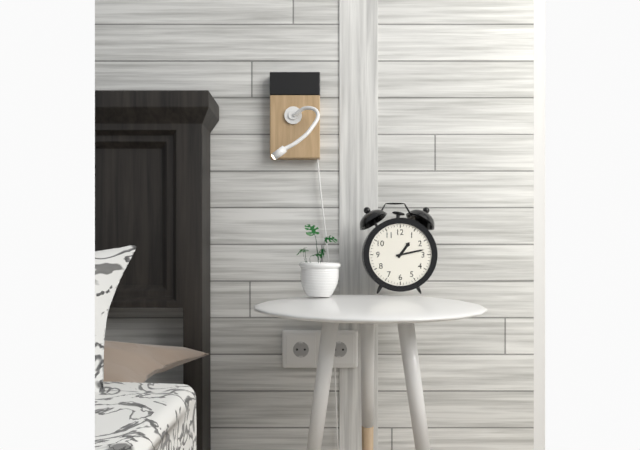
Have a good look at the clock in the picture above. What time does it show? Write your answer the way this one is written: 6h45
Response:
1h13
